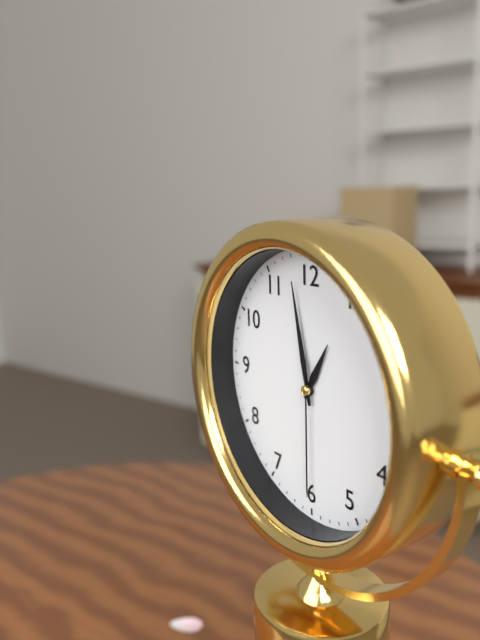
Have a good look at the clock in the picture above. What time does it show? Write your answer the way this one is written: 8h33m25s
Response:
12h58m30s
